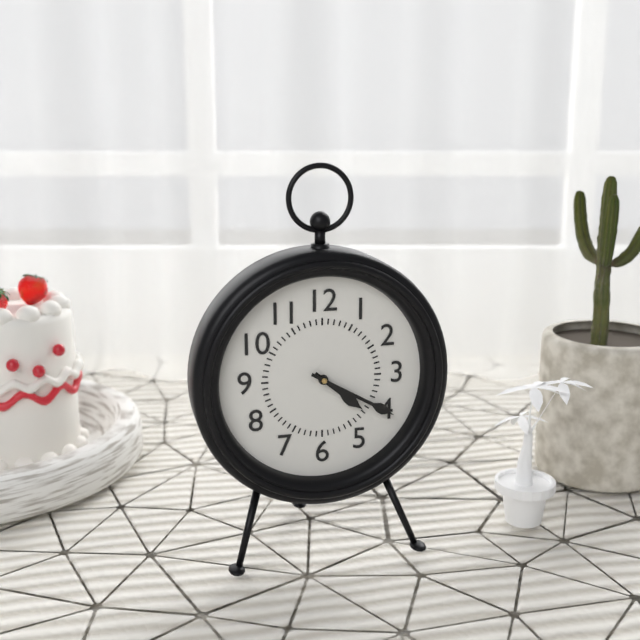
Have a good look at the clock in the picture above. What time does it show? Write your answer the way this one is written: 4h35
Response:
4h20
